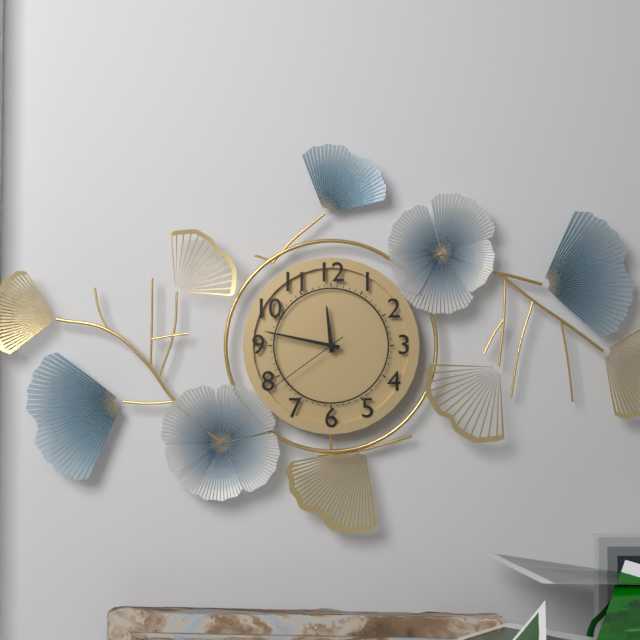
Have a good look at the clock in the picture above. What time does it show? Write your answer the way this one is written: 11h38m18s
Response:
11h47m39s
